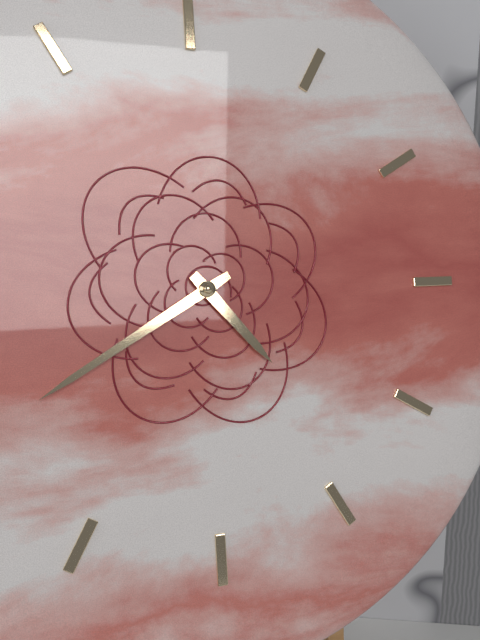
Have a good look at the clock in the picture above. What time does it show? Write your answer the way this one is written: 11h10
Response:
4h40
